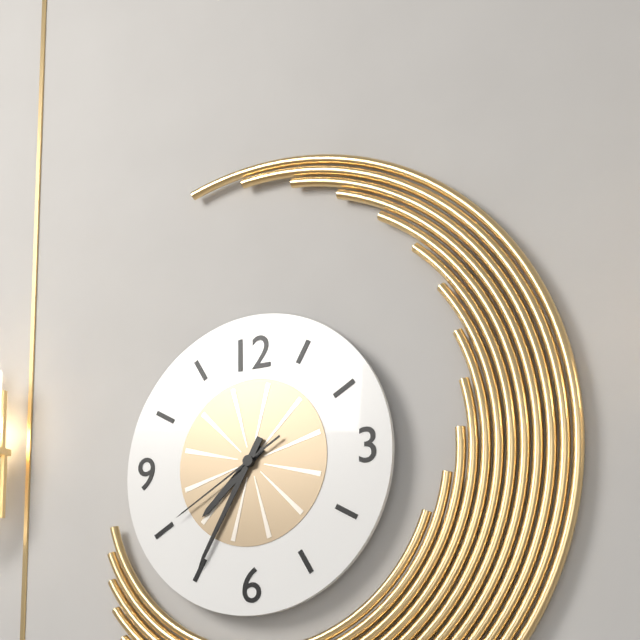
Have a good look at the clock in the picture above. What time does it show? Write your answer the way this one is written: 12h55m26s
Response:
7h35m40s
